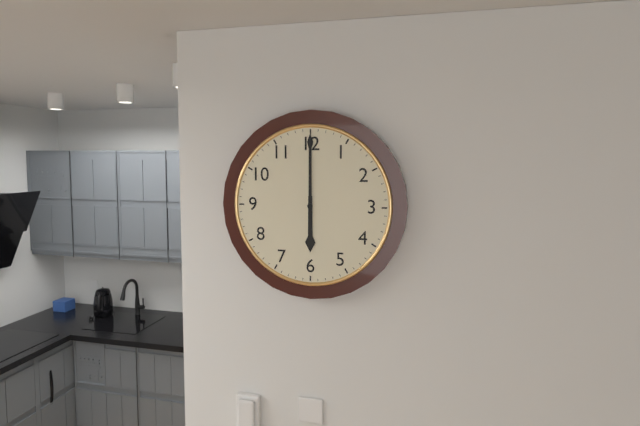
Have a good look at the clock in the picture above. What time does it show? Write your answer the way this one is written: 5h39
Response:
6h00
